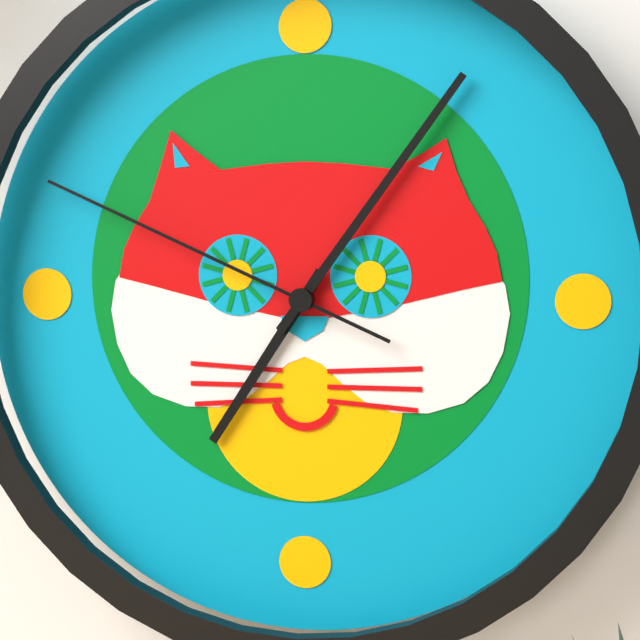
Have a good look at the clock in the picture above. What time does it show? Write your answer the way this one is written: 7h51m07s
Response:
7h06m49s
